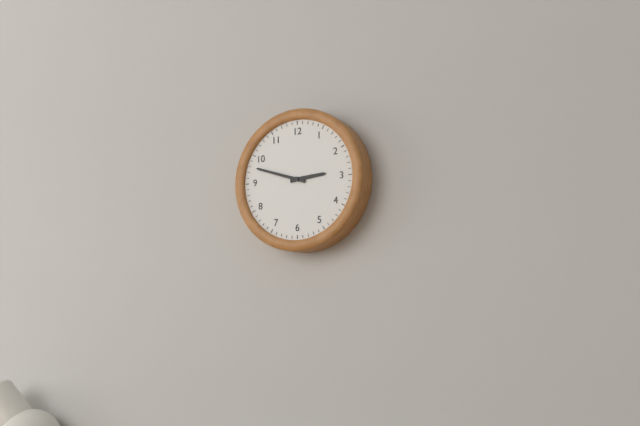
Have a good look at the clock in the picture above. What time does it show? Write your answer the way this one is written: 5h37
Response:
2h48
